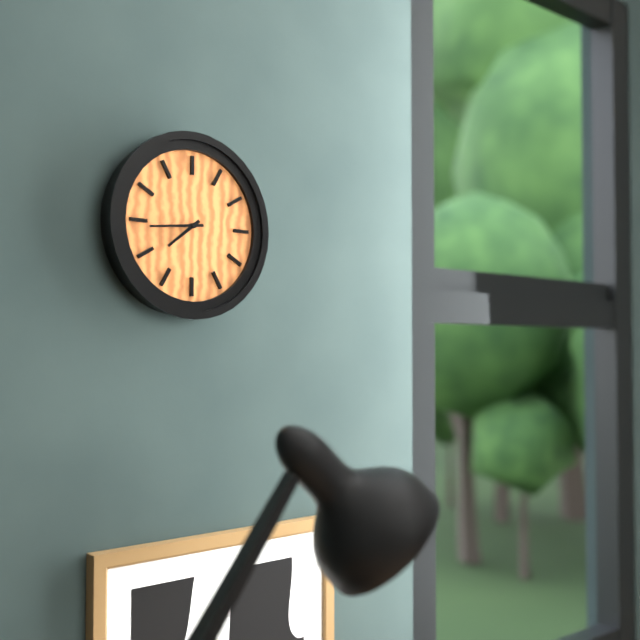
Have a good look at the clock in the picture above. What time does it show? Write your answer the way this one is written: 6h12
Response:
7h44
